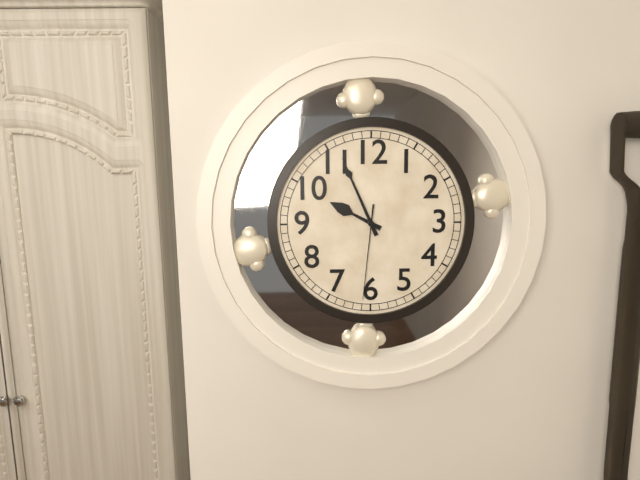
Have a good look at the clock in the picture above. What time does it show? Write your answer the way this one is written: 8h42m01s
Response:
9h56m31s
